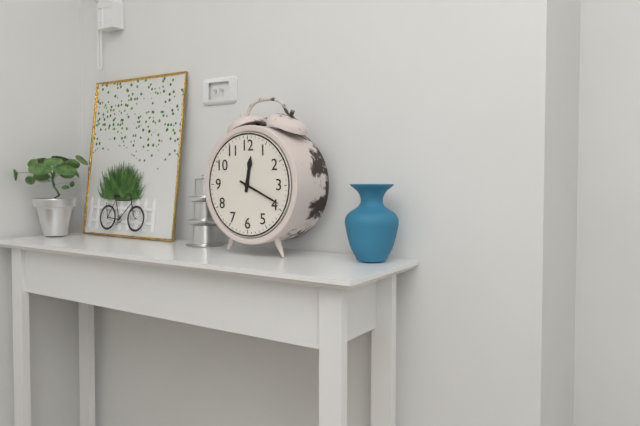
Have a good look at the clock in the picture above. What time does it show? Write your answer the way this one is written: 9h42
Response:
12h19
